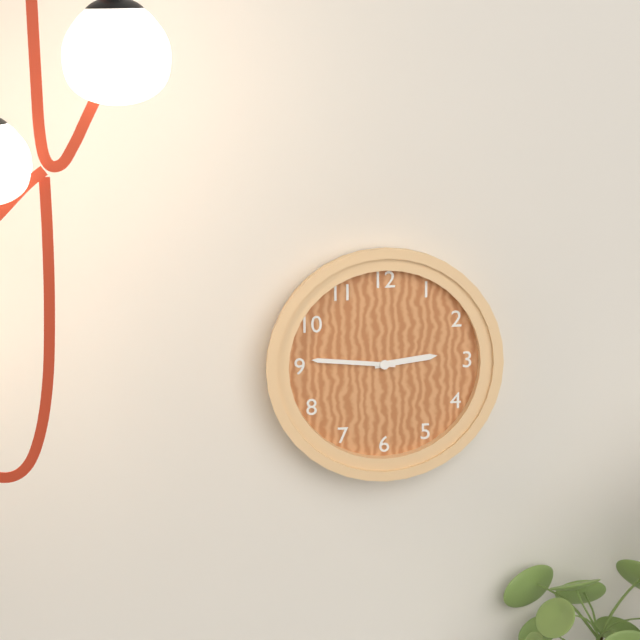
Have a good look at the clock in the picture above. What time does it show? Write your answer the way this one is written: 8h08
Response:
2h46
